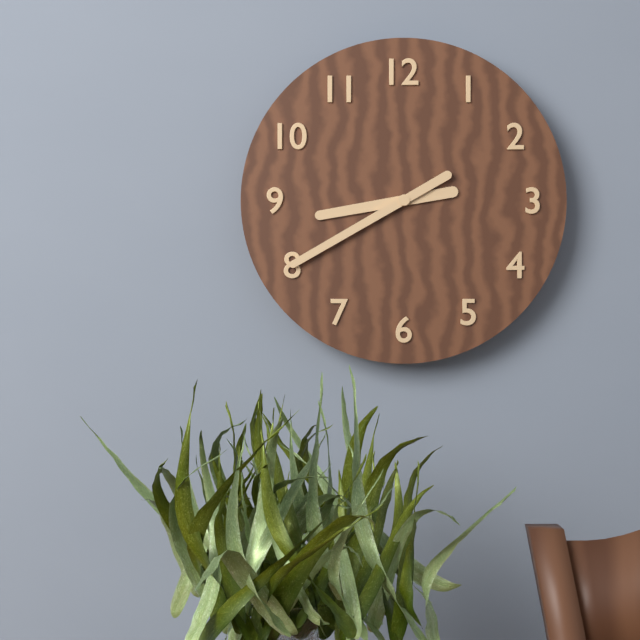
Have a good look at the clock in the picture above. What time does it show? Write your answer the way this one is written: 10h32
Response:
8h40
